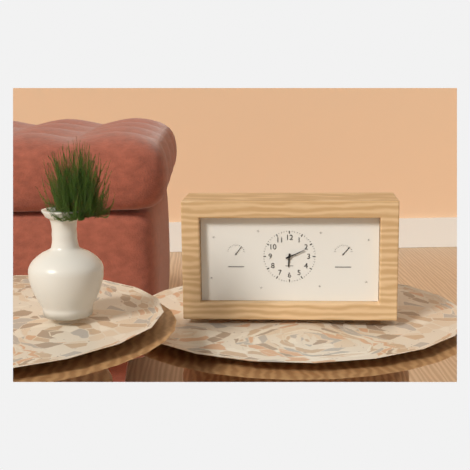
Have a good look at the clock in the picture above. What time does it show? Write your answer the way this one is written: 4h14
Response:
6h11
